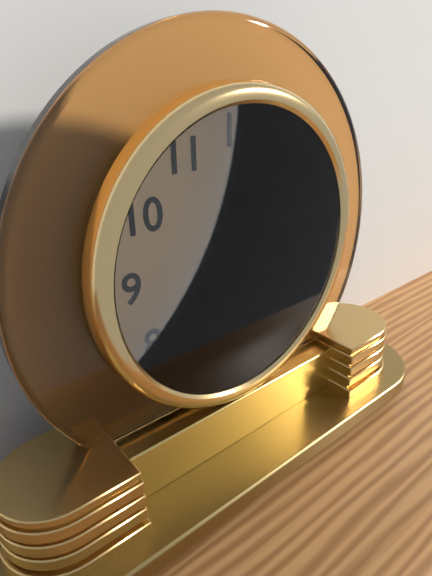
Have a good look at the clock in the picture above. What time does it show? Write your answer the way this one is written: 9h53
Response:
3h28
